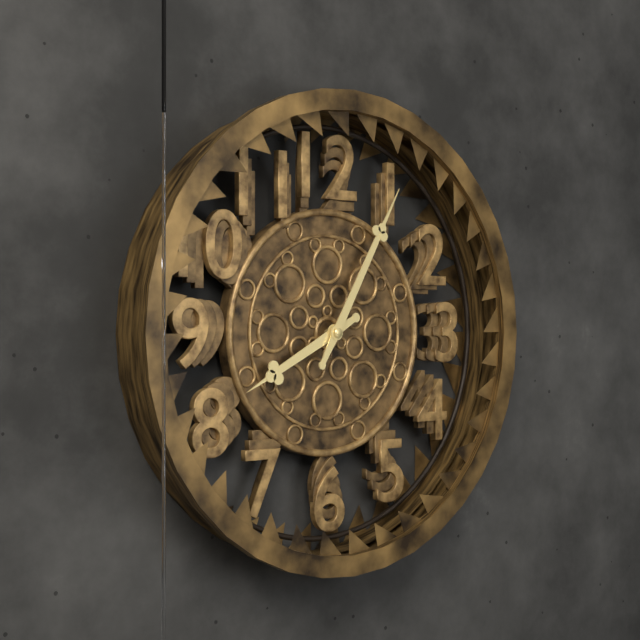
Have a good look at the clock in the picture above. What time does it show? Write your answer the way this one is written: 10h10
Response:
8h05
